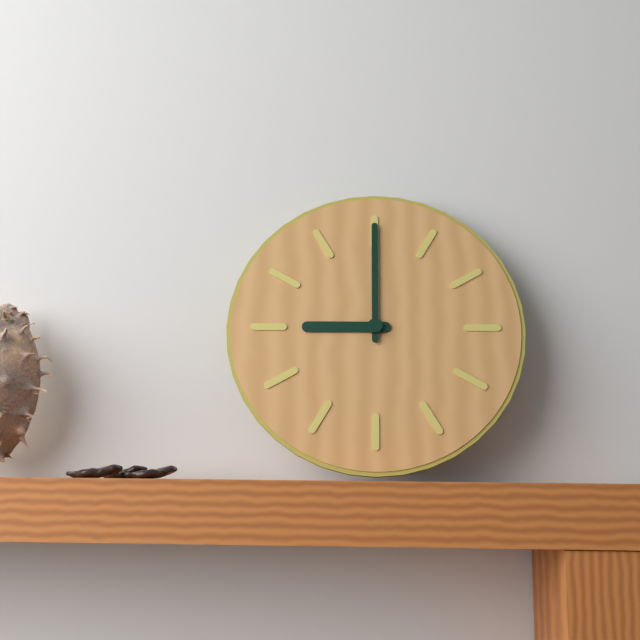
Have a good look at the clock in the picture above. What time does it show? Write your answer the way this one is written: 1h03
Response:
9h00
